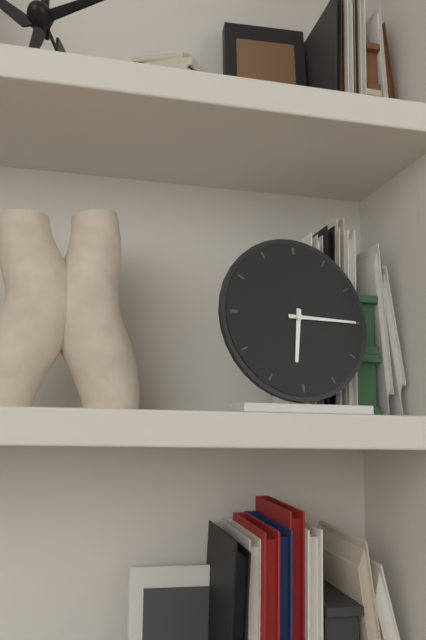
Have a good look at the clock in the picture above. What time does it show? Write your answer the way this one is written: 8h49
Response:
6h15
